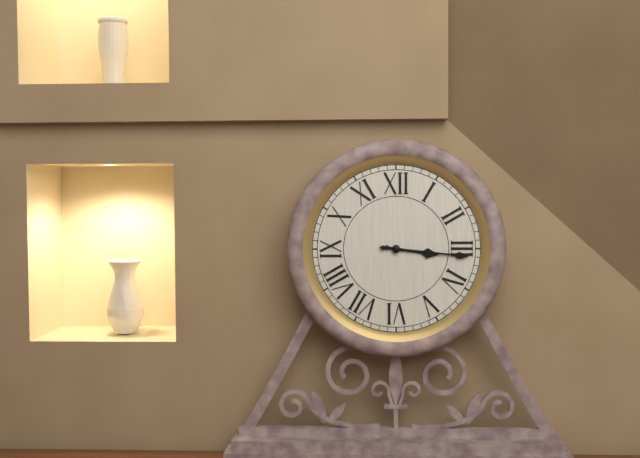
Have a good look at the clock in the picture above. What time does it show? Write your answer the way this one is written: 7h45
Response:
3h16
